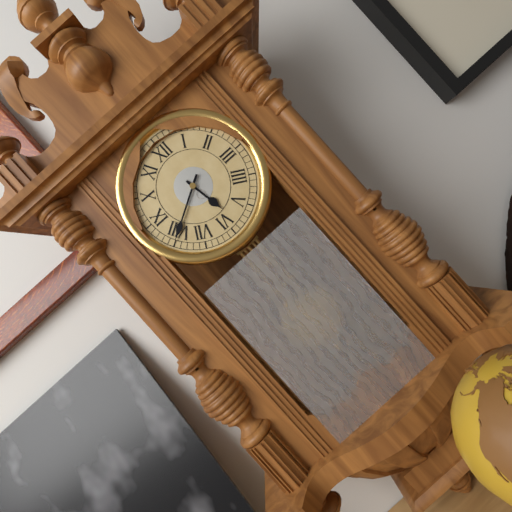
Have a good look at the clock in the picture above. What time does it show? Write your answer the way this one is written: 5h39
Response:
5h40
